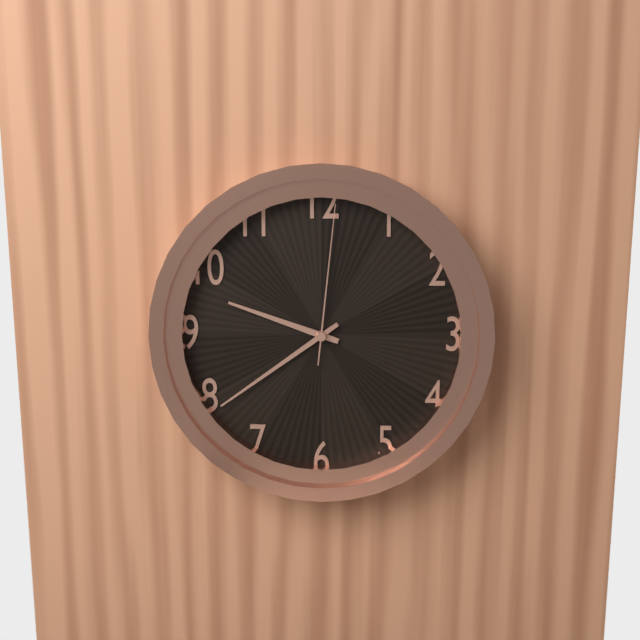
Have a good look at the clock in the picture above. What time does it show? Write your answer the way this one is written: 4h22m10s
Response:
9h39m01s
